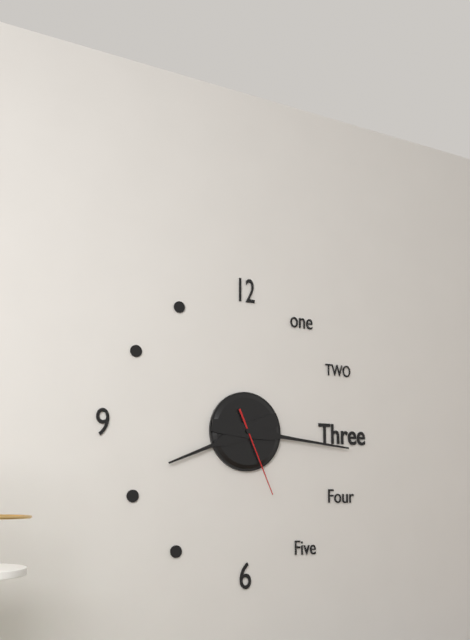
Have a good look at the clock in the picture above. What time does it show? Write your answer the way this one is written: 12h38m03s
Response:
8h16m26s
